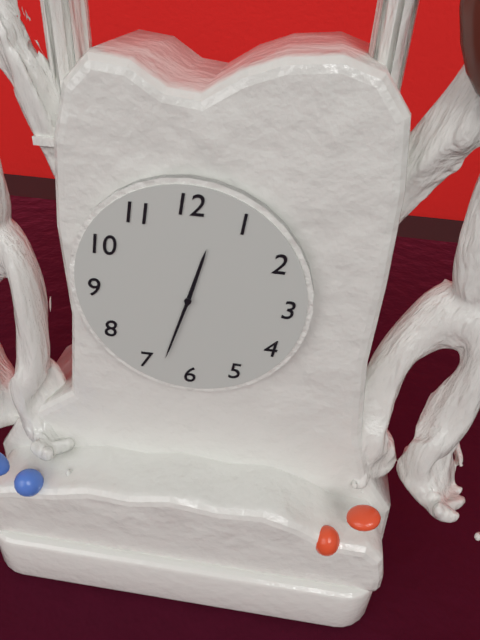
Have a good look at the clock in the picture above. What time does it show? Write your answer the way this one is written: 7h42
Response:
12h33
